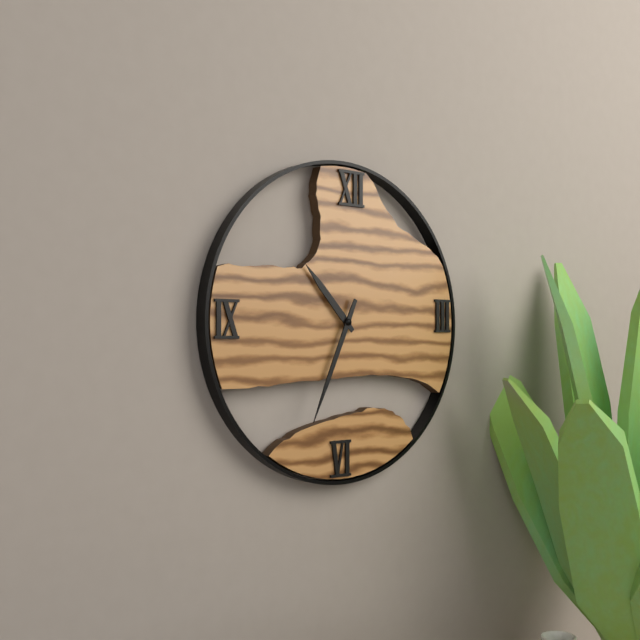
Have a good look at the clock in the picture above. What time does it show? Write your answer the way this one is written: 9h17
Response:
10h34
